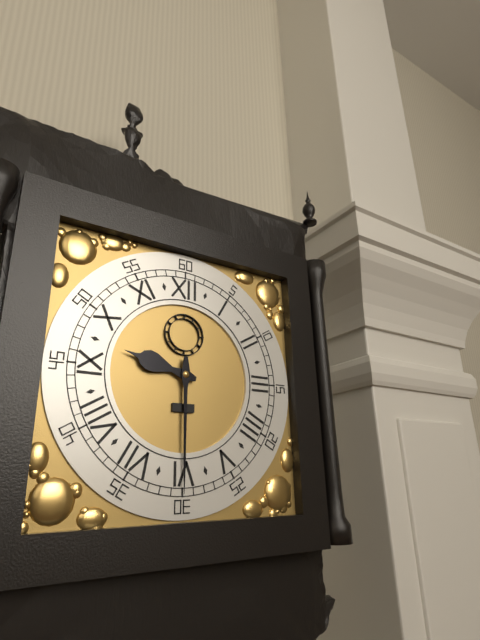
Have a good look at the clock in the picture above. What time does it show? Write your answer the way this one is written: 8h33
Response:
9h30
